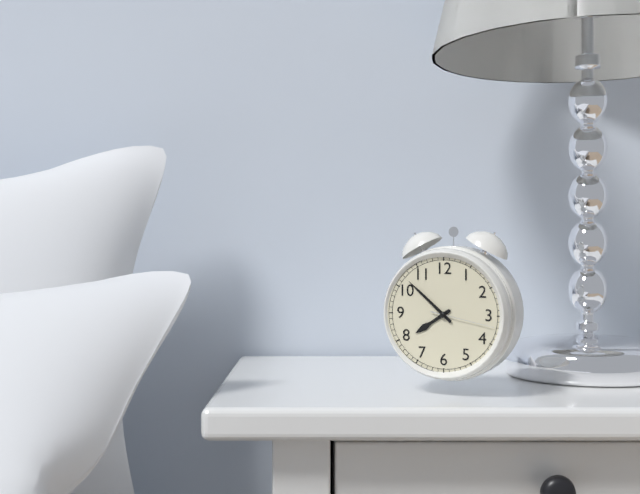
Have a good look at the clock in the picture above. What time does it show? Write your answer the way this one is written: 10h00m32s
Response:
7h52m17s
